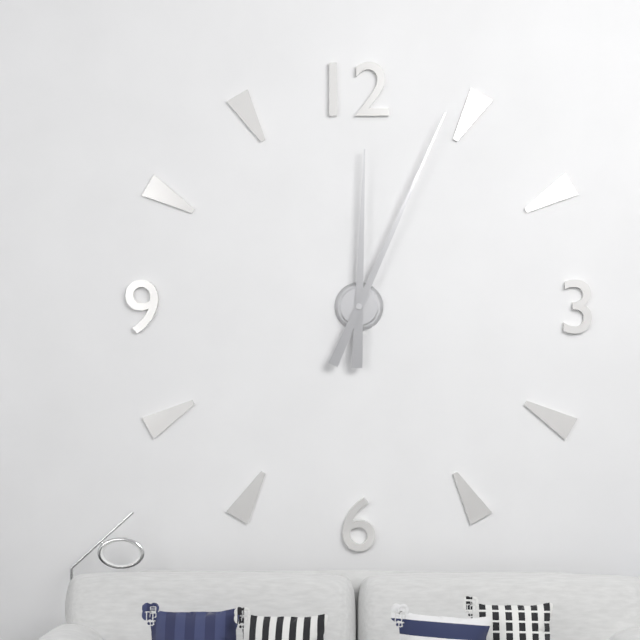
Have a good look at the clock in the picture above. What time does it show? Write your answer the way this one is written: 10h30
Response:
12h04
